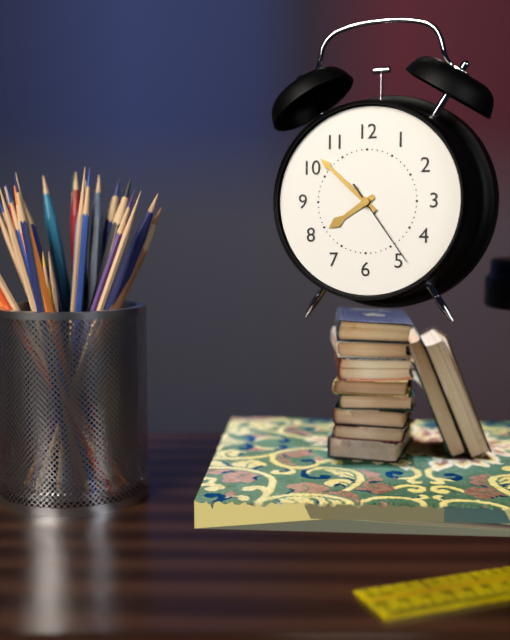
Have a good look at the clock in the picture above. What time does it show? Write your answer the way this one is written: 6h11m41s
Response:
7h52m24s
